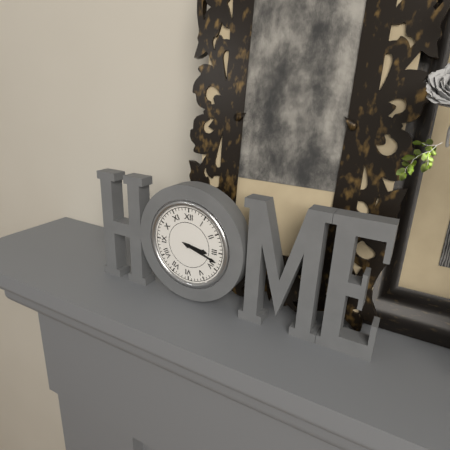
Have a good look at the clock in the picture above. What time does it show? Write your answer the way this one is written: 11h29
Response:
3h18
